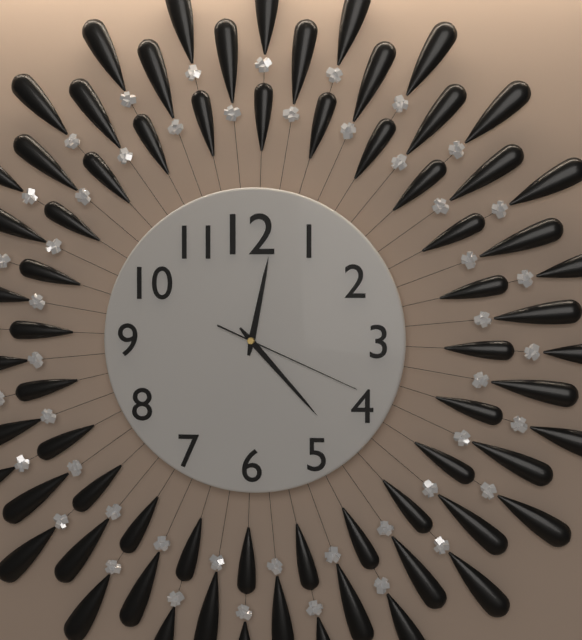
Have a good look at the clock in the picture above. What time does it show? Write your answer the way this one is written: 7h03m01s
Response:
12h23m19s
